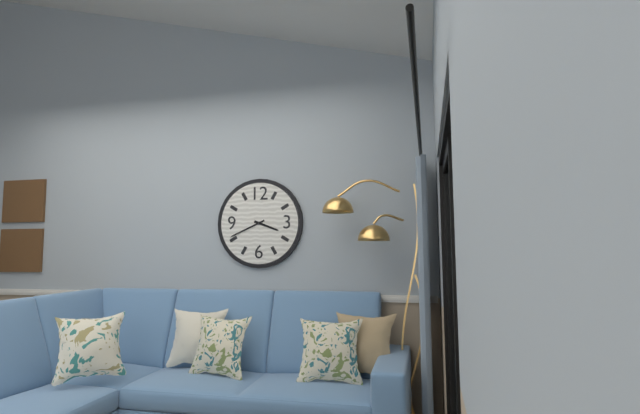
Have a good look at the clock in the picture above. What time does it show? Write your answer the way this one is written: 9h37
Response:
3h41
